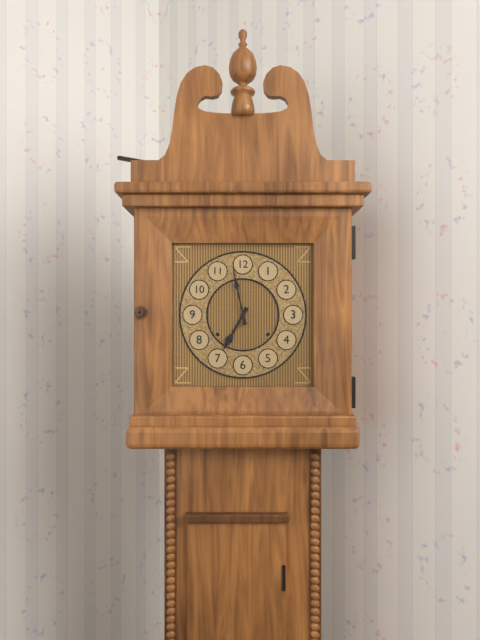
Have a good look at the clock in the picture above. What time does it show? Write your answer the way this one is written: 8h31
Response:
6h58
